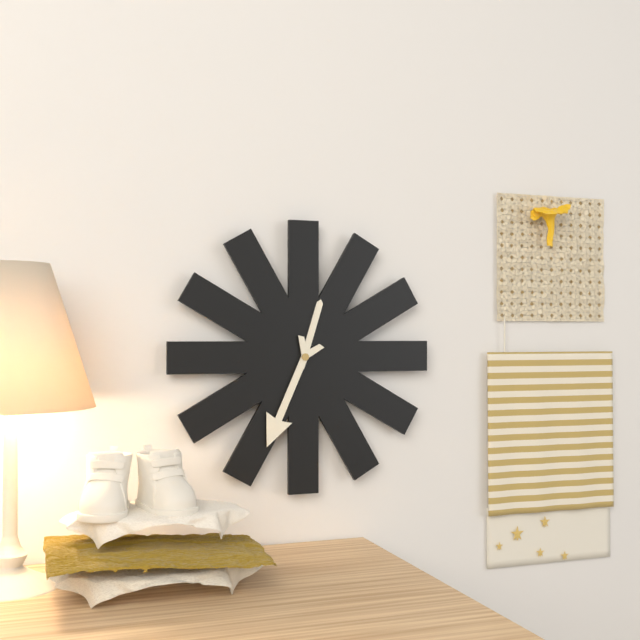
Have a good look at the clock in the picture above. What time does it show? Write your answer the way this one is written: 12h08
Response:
12h34
